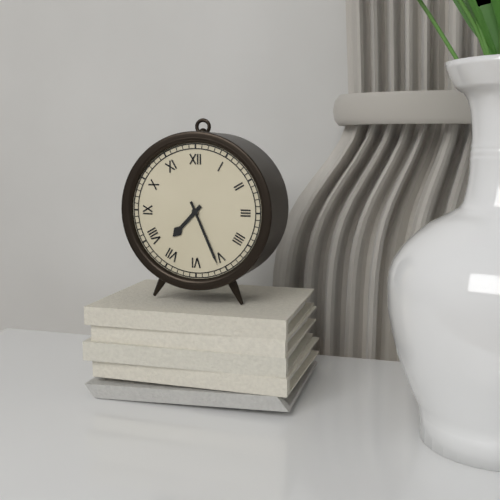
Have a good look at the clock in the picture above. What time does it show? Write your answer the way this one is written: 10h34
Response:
7h26
